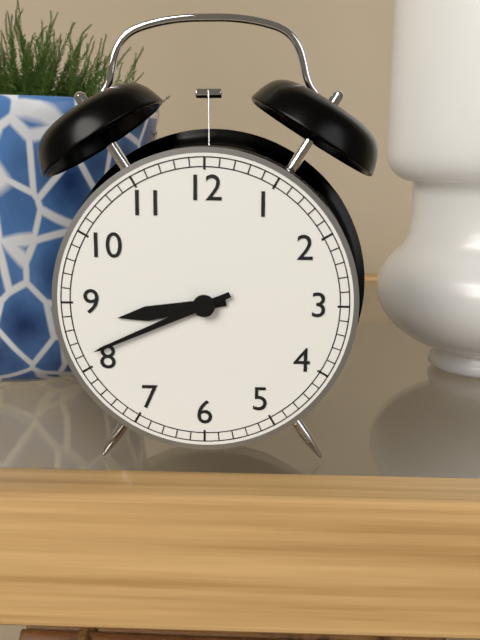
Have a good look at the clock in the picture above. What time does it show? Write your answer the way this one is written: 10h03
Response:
8h41
